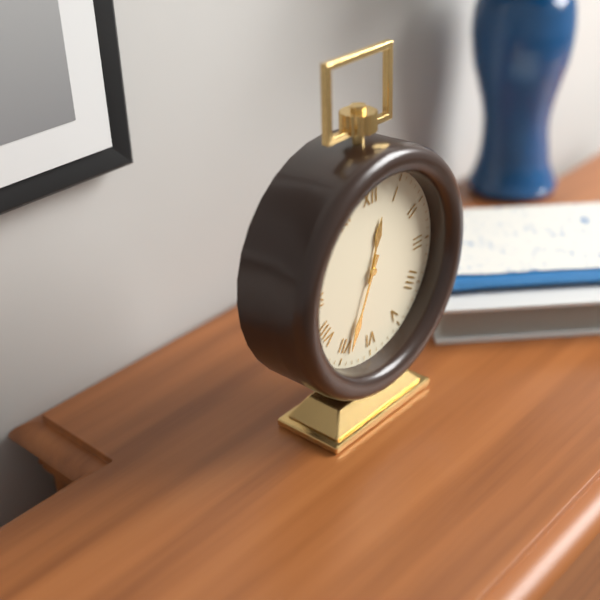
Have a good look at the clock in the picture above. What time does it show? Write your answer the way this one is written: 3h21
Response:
12h34
